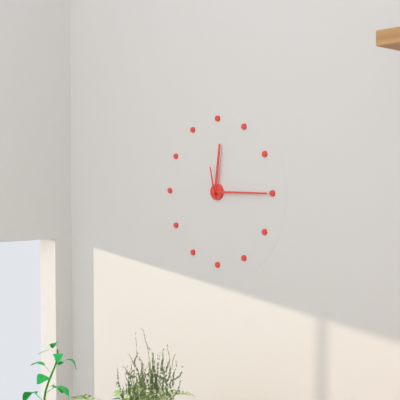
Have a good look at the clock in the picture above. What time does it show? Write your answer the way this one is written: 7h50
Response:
12h15
